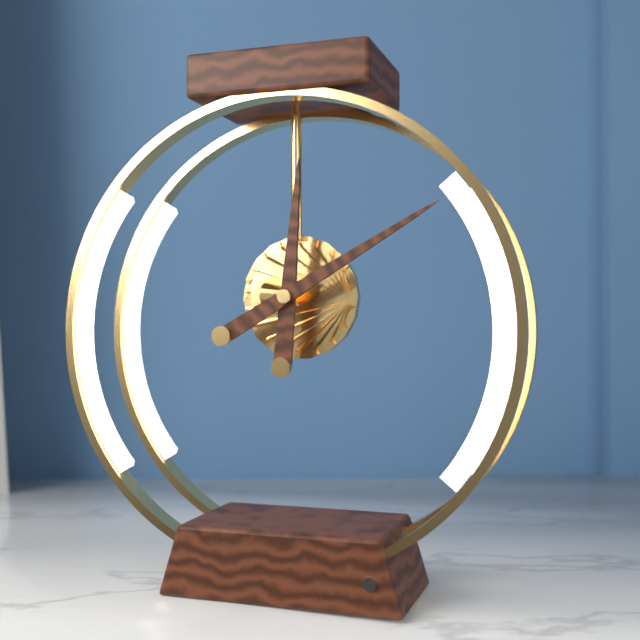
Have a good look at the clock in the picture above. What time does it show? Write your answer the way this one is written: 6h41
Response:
12h10
